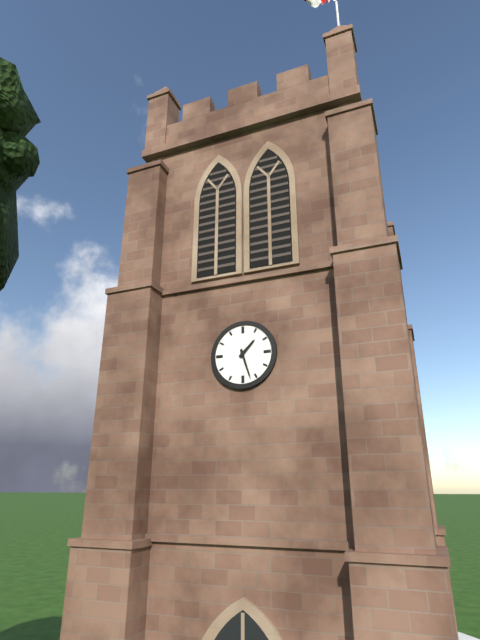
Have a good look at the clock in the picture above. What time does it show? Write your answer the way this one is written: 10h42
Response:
1h27
